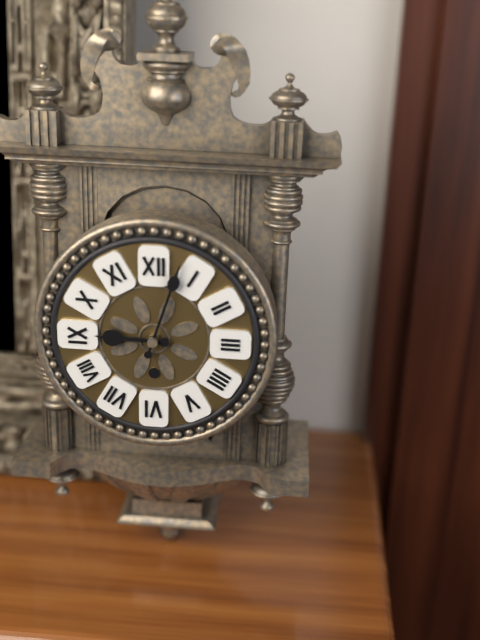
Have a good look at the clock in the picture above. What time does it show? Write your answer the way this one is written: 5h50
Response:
9h03
